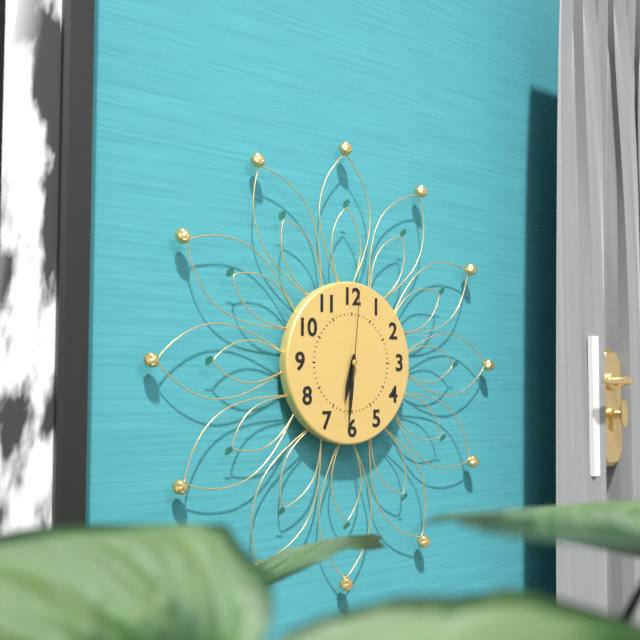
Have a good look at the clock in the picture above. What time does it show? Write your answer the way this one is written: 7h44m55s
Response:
6h31m01s
